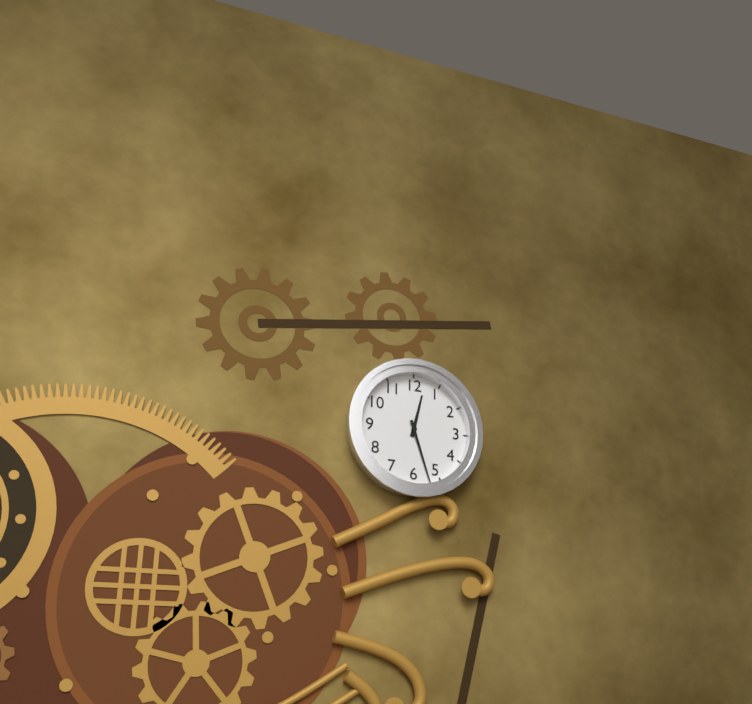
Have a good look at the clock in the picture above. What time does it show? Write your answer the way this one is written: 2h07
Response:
12h27
